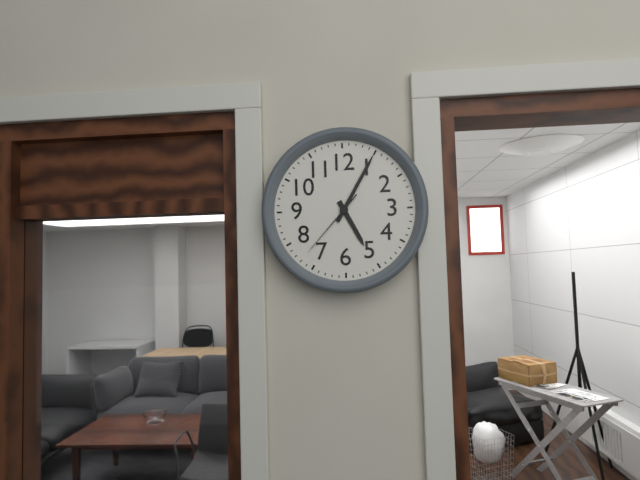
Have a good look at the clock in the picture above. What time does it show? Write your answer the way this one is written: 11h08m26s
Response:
5h05m37s
